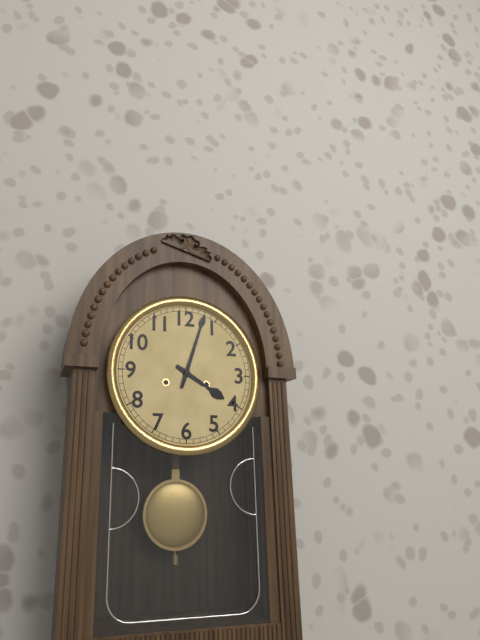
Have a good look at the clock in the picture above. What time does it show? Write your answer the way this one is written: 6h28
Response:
4h03
